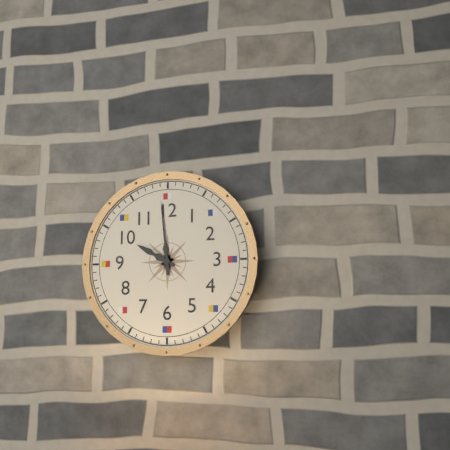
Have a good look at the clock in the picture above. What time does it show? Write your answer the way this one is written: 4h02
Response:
9h59
